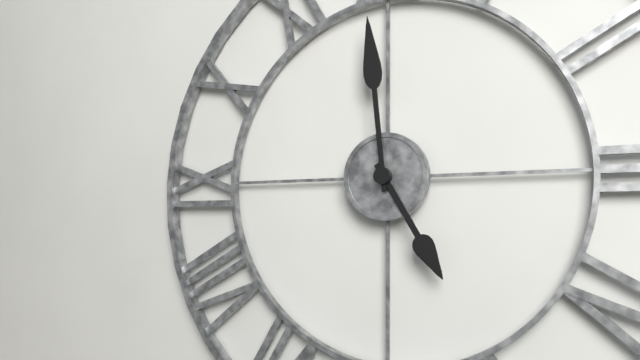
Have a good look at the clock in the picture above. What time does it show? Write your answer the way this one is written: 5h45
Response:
4h59
